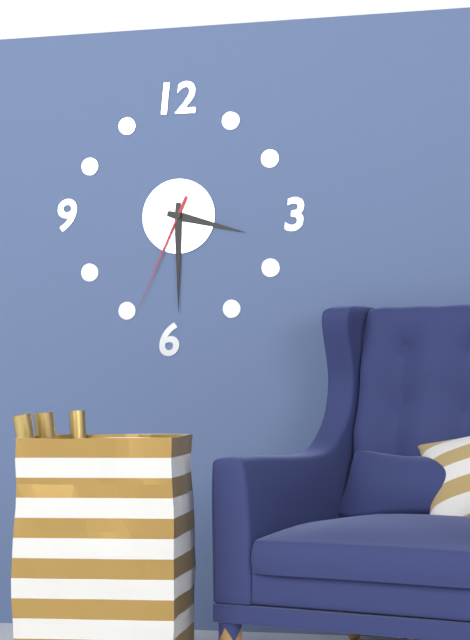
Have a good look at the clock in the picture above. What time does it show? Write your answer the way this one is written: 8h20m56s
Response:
3h30m34s
